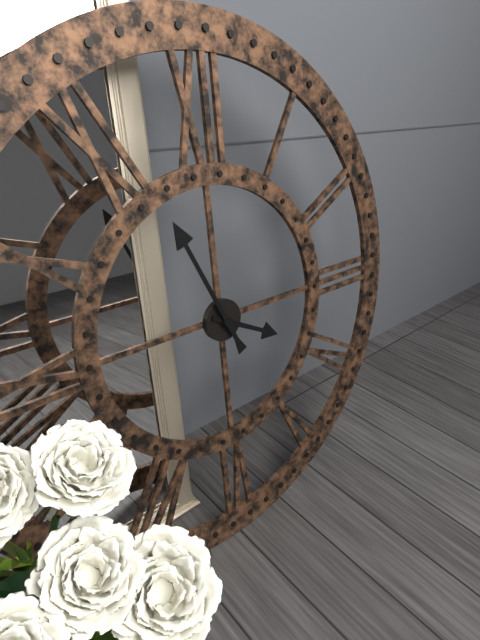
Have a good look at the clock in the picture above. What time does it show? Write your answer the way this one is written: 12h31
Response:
3h56
